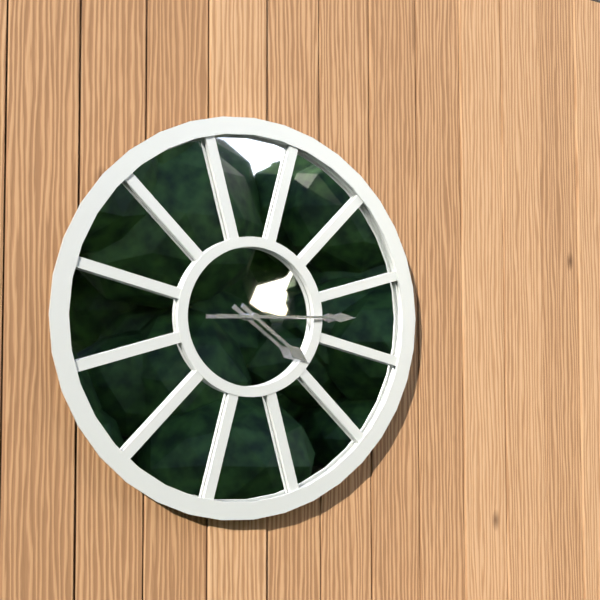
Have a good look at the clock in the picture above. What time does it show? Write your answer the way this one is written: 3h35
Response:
4h15
